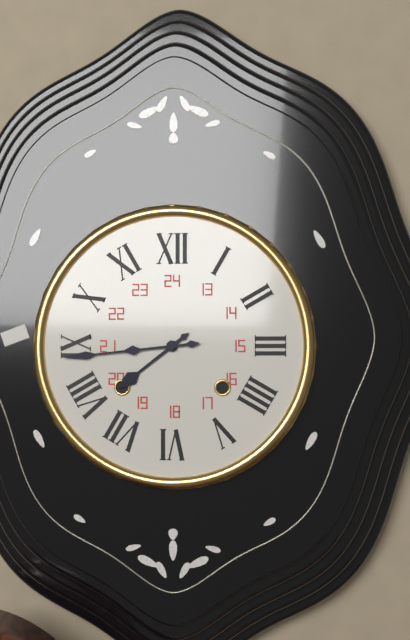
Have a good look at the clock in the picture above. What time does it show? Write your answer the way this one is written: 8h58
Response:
7h44
